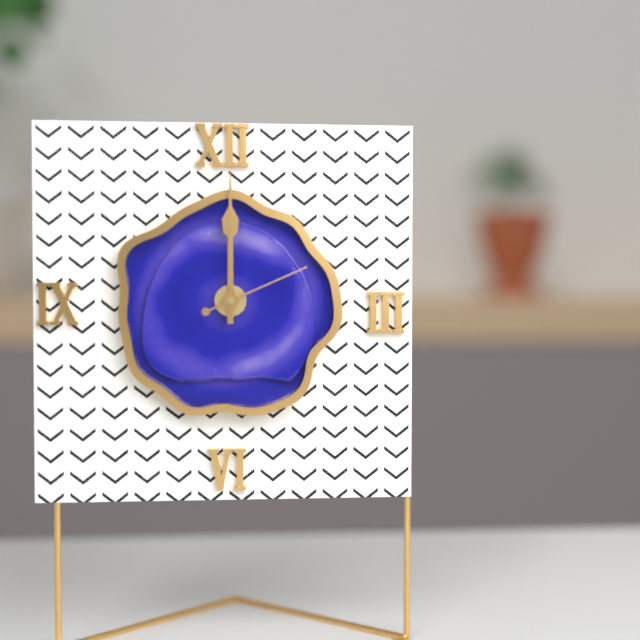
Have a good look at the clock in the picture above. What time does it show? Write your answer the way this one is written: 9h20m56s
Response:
12h00m11s
